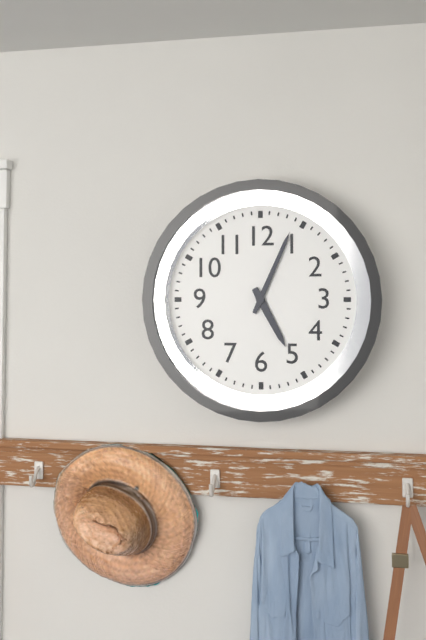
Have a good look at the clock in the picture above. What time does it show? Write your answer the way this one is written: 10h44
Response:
5h04
